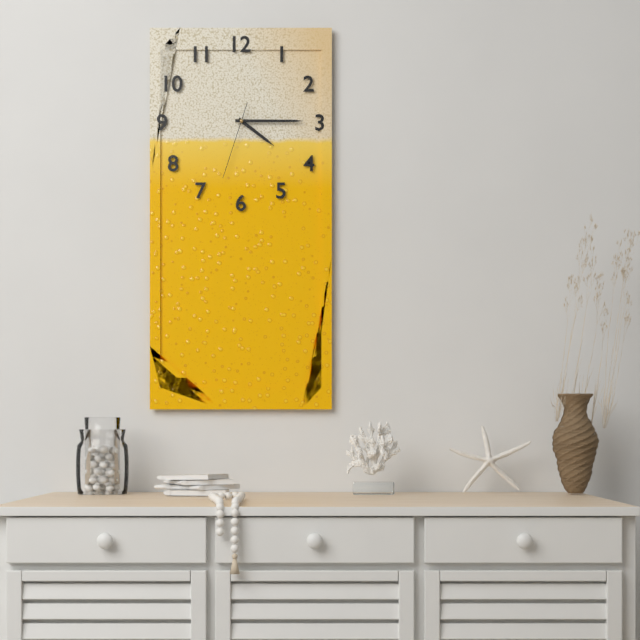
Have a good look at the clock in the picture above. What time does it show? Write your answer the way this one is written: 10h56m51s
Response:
4h15m33s
